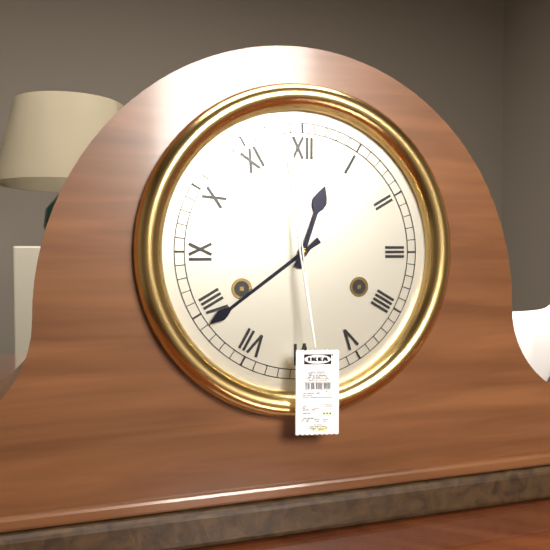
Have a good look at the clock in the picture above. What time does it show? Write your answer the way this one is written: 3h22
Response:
12h39
